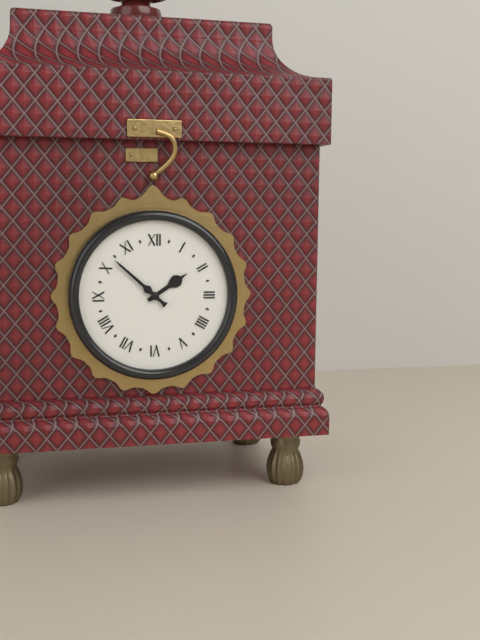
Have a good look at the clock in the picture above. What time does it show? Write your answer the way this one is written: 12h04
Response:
1h52
